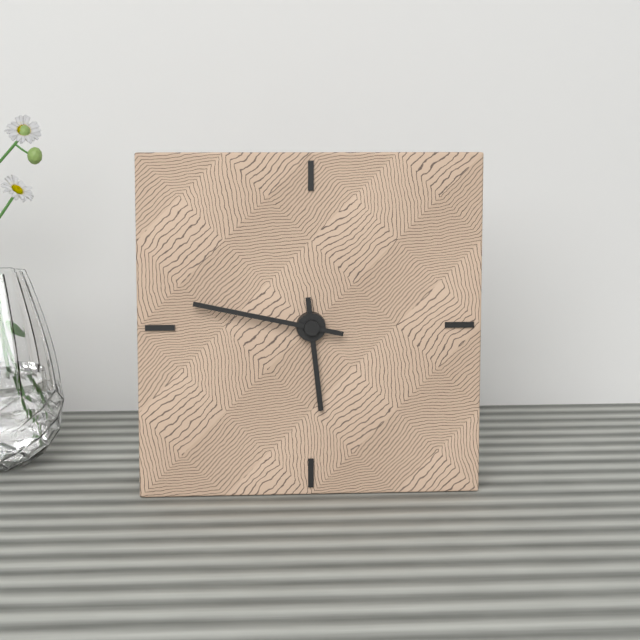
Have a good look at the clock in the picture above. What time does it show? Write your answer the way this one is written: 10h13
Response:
5h47
